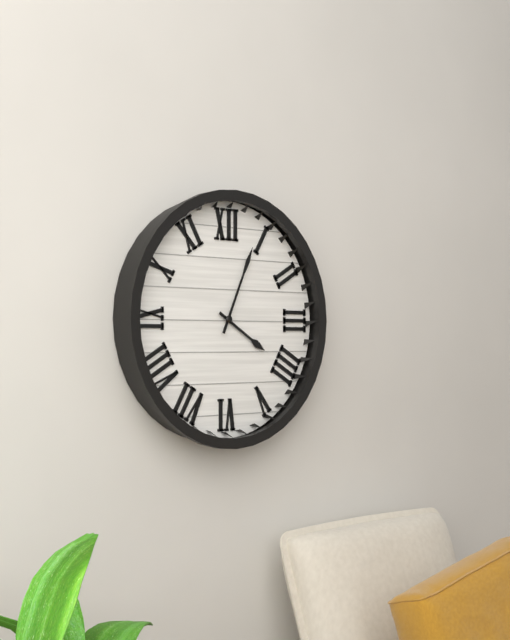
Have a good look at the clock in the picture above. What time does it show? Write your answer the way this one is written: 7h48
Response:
4h04
